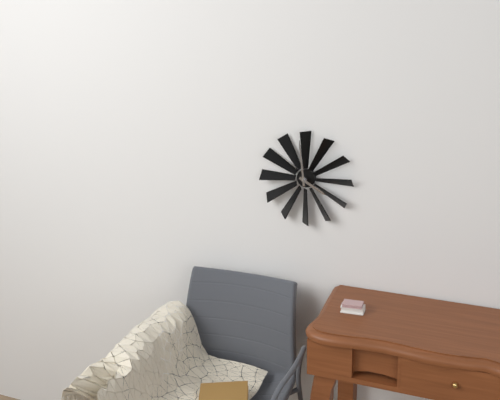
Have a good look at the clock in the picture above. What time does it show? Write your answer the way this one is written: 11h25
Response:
3h59
